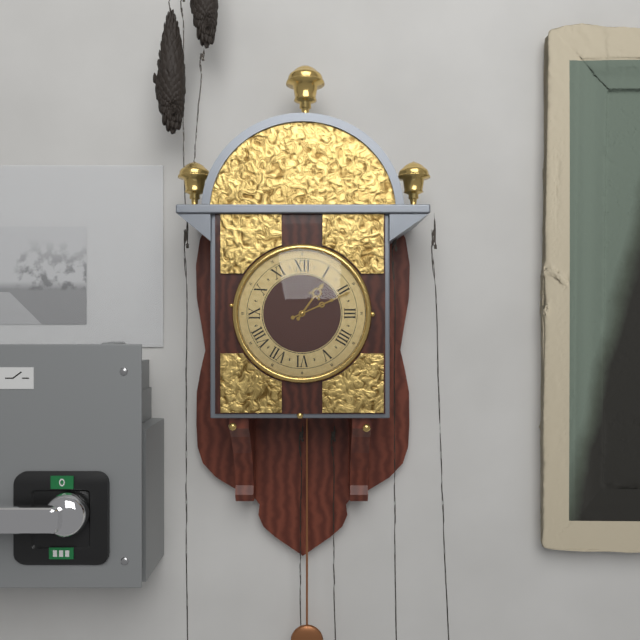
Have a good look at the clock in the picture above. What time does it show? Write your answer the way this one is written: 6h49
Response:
1h11
